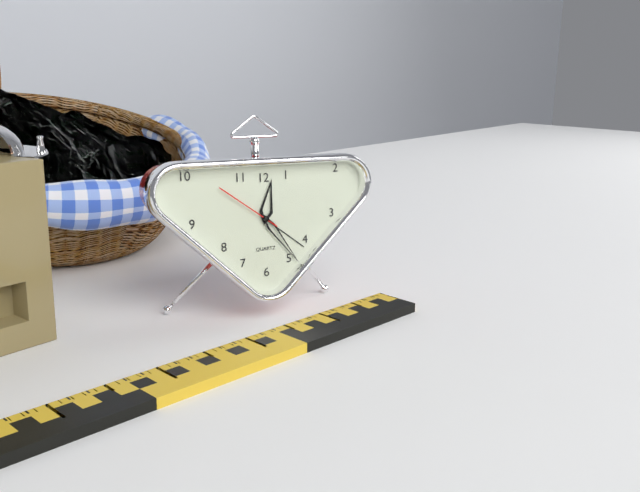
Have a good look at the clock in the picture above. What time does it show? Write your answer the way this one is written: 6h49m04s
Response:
12h24m51s
